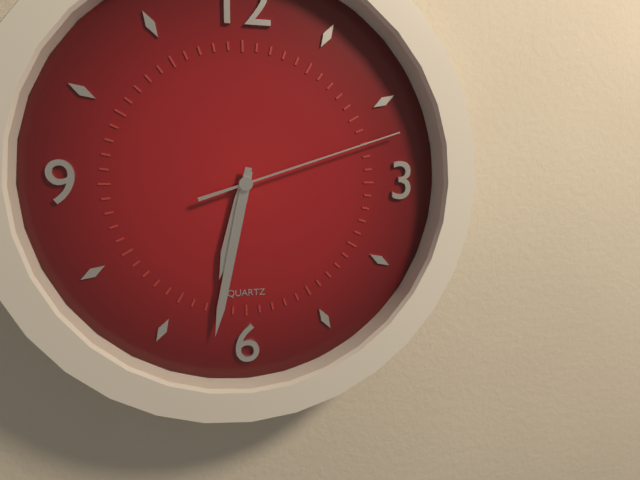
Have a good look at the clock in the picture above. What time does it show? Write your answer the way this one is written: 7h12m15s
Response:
6h32m12s
